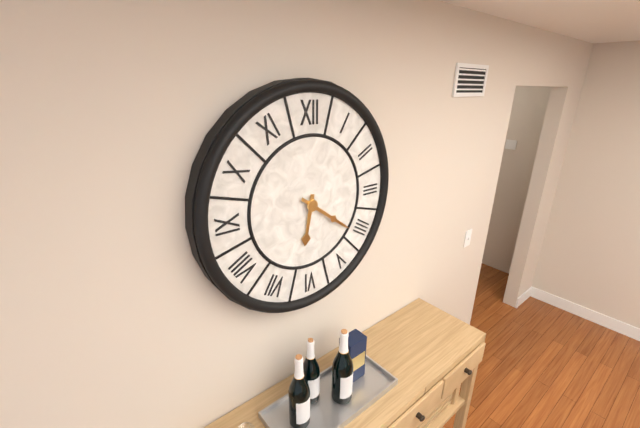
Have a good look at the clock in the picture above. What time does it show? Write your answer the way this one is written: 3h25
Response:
6h21
